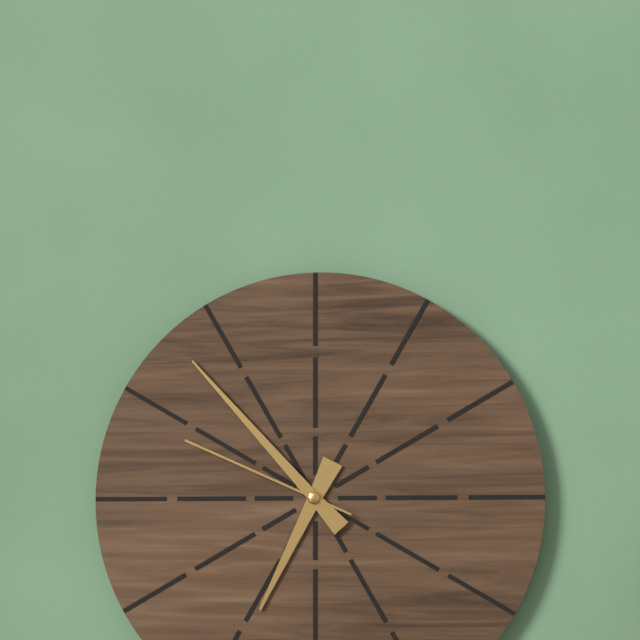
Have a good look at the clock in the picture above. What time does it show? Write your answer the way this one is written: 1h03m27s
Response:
6h53m49s
